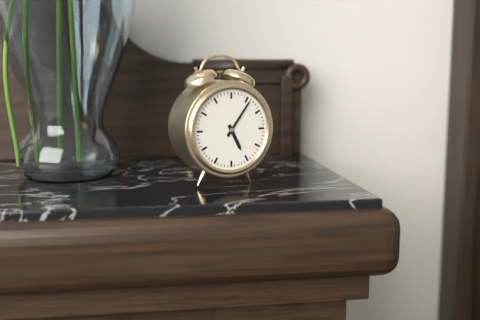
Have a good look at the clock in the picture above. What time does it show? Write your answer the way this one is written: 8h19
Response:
5h06
